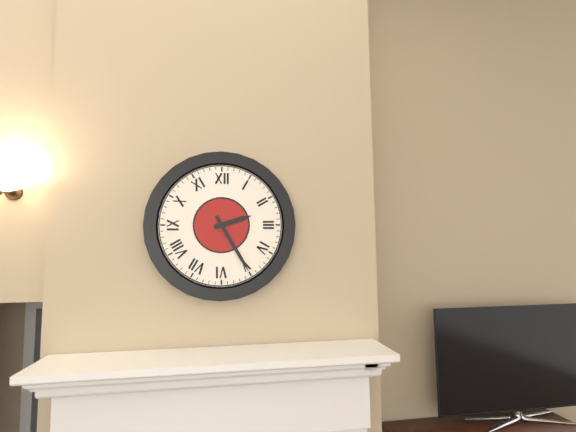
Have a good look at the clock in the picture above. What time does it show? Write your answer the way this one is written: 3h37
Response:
2h25
